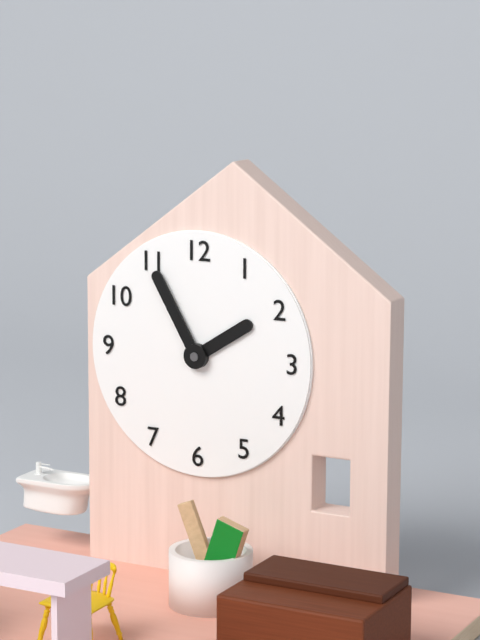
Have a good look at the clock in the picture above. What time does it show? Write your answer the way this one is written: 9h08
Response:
1h55
